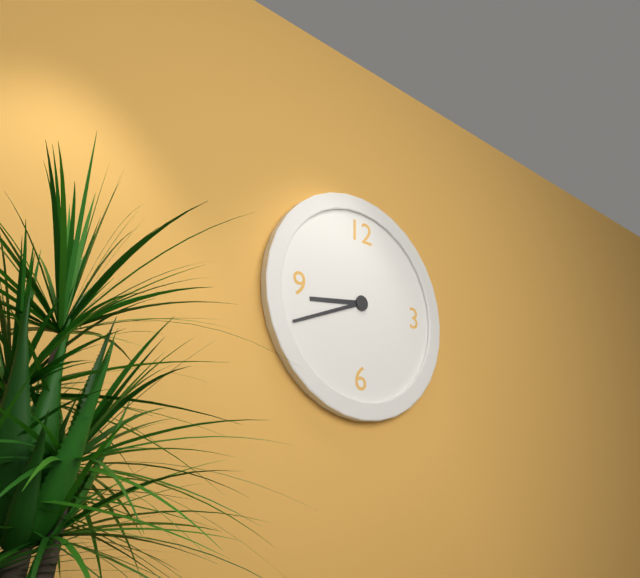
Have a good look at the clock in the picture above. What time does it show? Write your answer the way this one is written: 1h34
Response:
8h41
